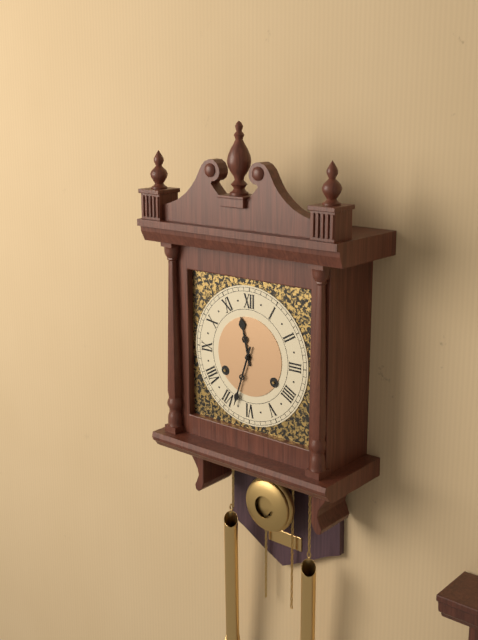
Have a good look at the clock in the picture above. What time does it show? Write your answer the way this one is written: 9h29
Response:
11h33
